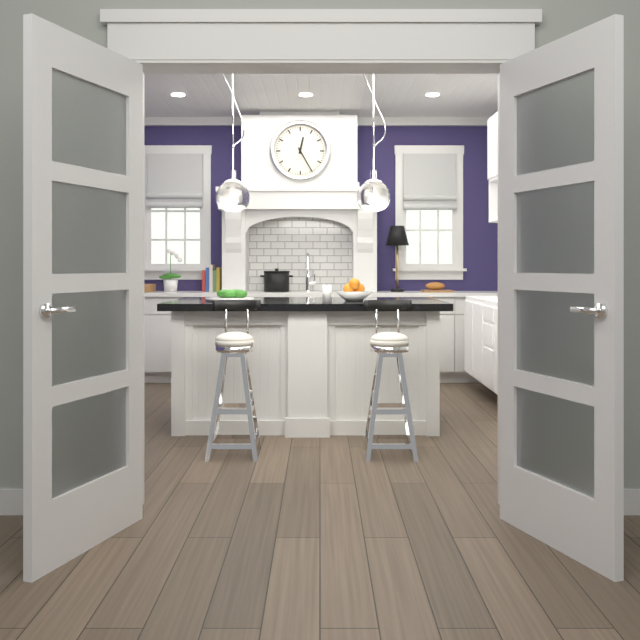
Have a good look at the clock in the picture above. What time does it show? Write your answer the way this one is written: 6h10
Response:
12h25
